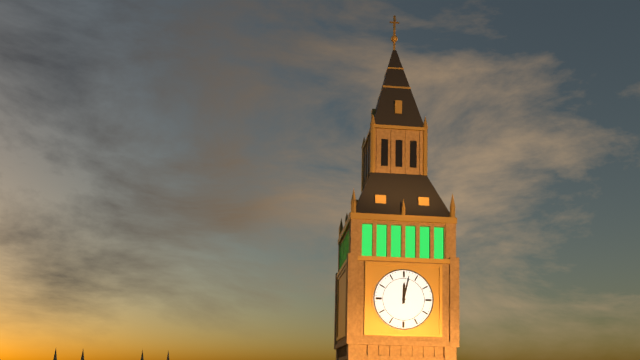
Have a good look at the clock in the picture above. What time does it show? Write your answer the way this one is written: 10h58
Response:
12h02
